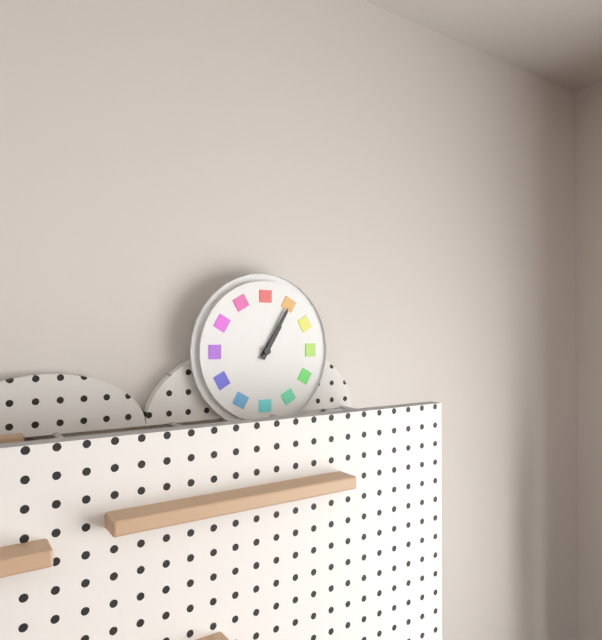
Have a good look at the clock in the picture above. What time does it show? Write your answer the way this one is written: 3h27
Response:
1h05
